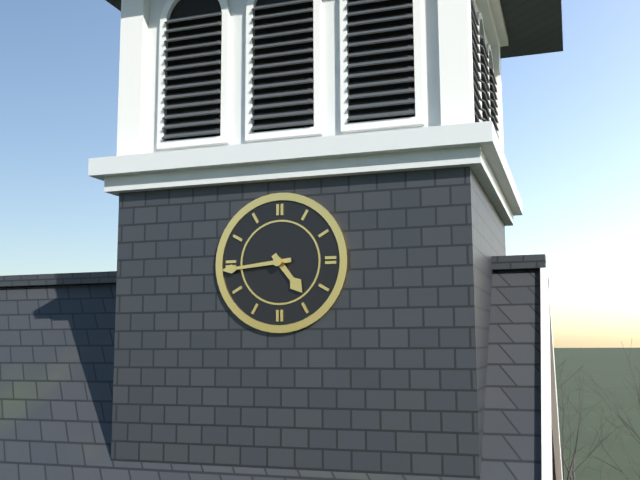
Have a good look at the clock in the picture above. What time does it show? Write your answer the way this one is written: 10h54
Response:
4h44
